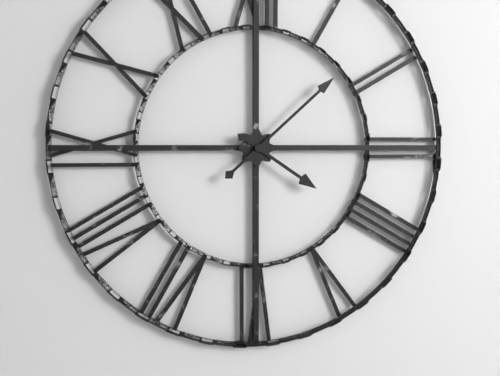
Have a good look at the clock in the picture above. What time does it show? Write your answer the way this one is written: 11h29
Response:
4h08
